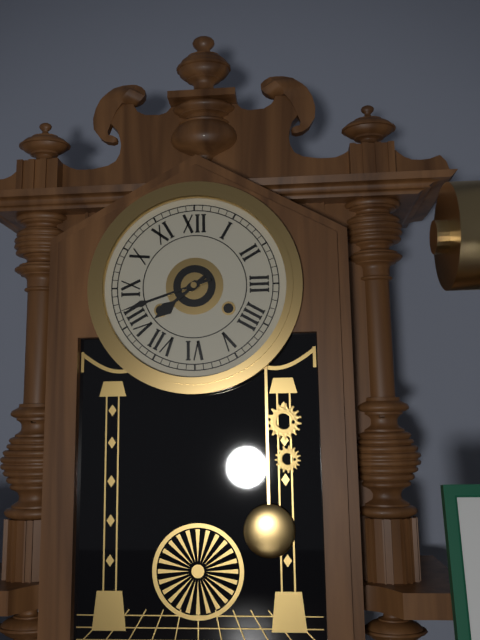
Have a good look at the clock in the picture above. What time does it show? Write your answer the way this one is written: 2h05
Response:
7h42
